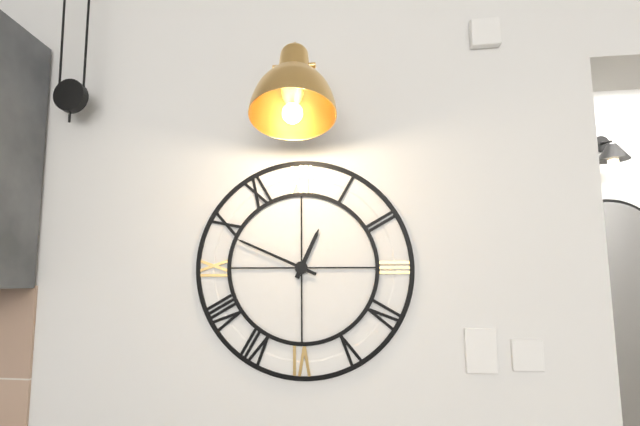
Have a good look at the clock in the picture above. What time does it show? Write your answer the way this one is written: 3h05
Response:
12h49
